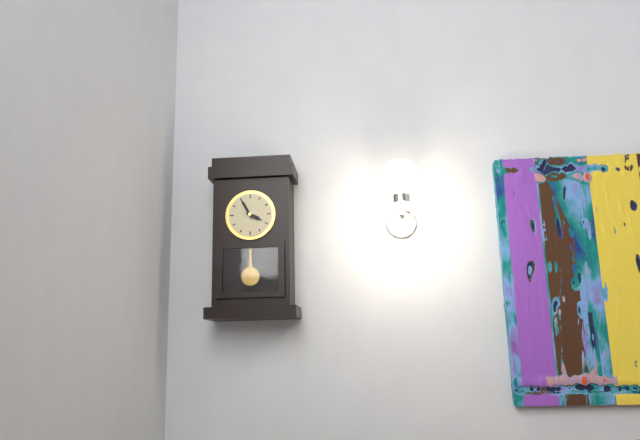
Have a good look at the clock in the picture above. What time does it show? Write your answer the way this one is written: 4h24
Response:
3h55
